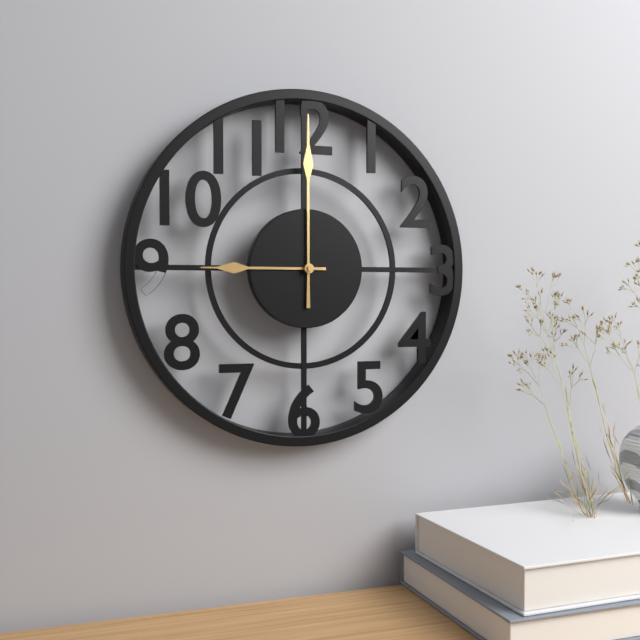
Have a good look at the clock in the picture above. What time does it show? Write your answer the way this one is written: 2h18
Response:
9h00
